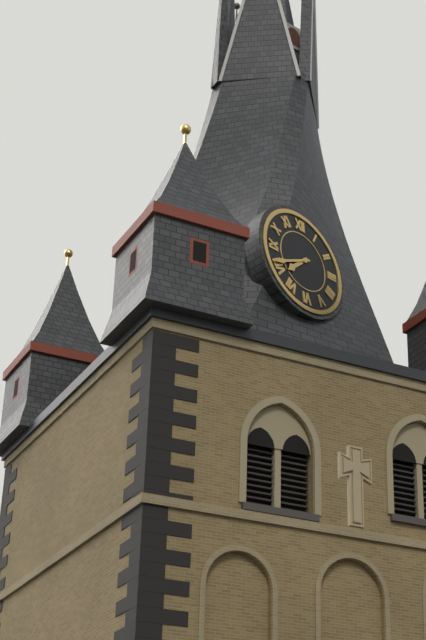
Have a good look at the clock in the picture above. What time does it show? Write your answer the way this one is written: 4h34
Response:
7h41
